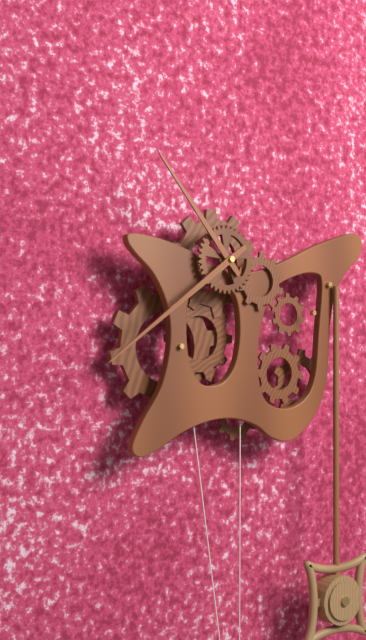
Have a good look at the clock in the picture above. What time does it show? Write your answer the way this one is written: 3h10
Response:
10h39
